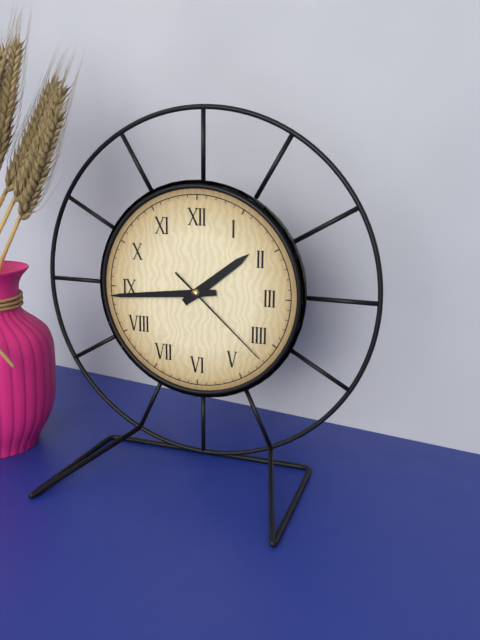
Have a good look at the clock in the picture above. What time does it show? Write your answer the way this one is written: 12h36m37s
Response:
1h44m22s
